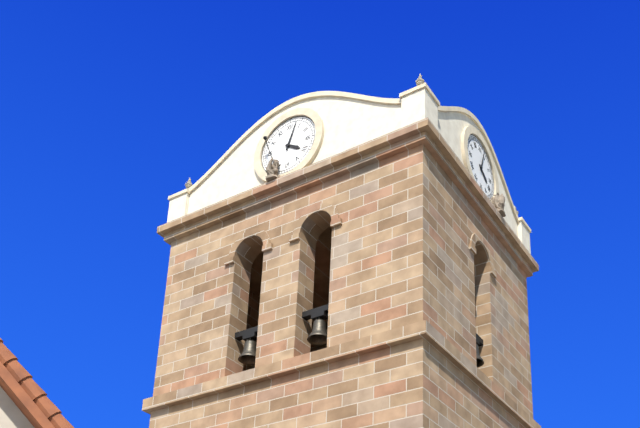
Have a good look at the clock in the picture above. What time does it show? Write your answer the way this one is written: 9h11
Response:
4h03
